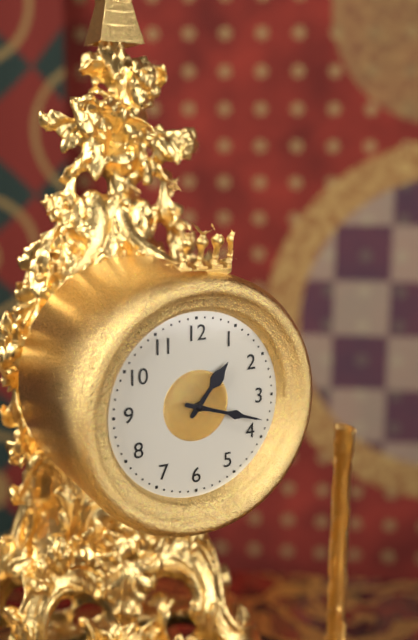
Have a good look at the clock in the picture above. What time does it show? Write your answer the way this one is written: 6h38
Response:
1h18
